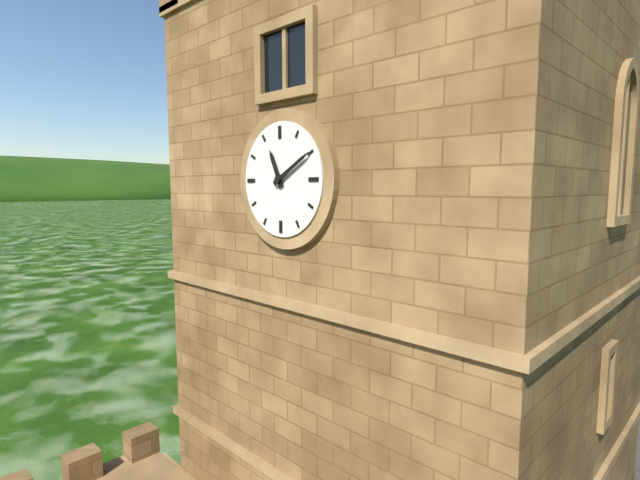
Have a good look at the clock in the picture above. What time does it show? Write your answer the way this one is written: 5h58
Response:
11h10
